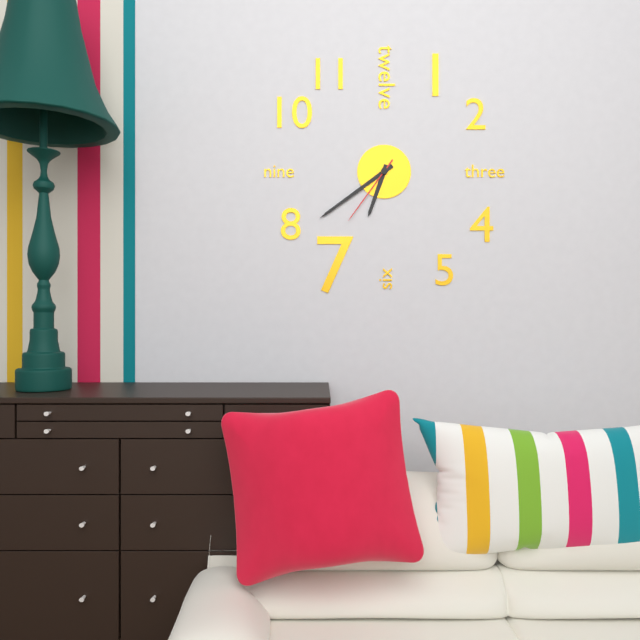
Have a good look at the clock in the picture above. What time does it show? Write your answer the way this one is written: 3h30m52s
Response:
6h39m36s
